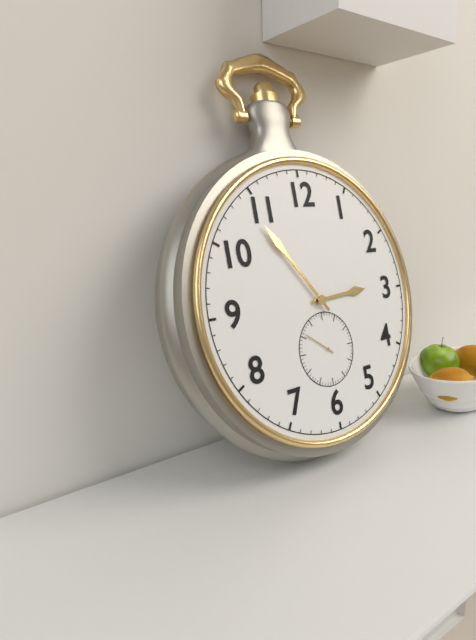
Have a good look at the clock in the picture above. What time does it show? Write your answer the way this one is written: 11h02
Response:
2h54
